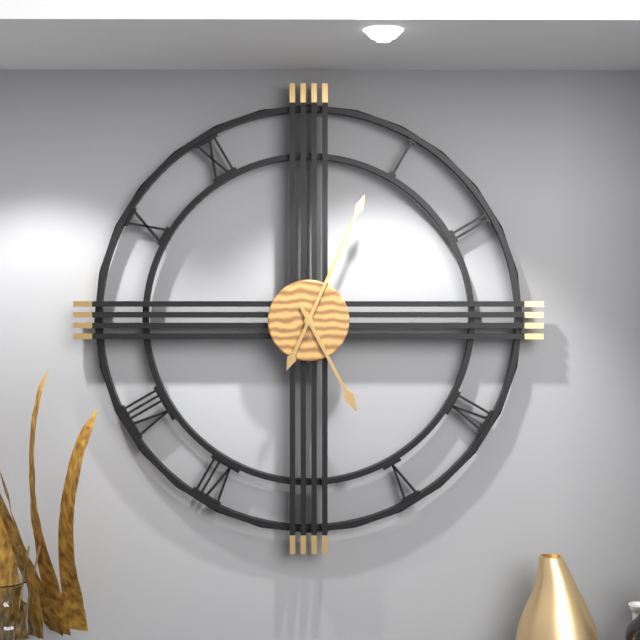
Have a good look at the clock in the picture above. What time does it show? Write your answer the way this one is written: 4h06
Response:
5h04
